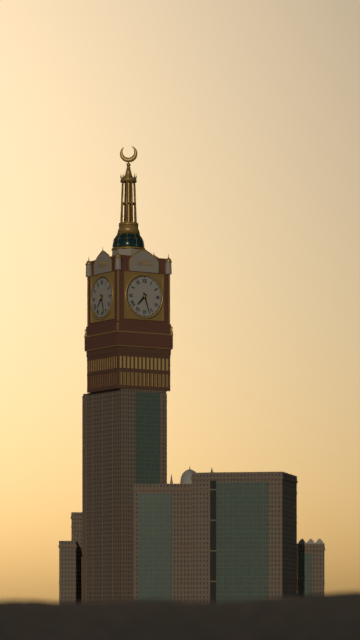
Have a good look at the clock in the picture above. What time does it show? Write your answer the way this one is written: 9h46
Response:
7h27
